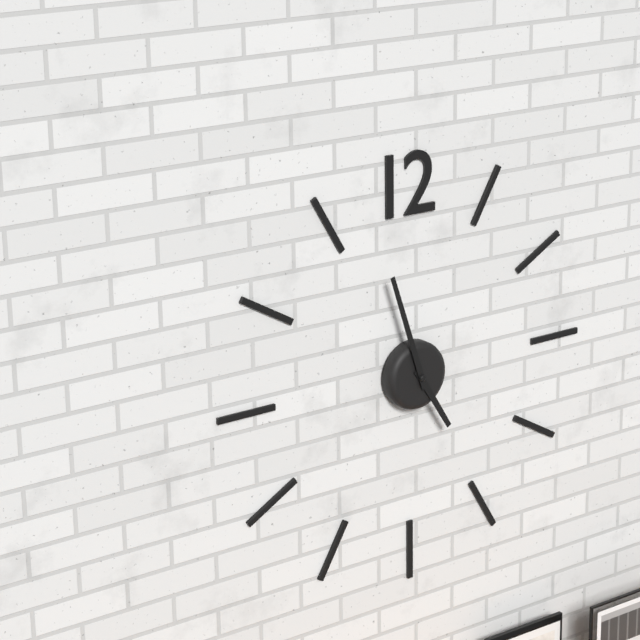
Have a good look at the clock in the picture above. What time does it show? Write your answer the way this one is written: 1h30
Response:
4h57
